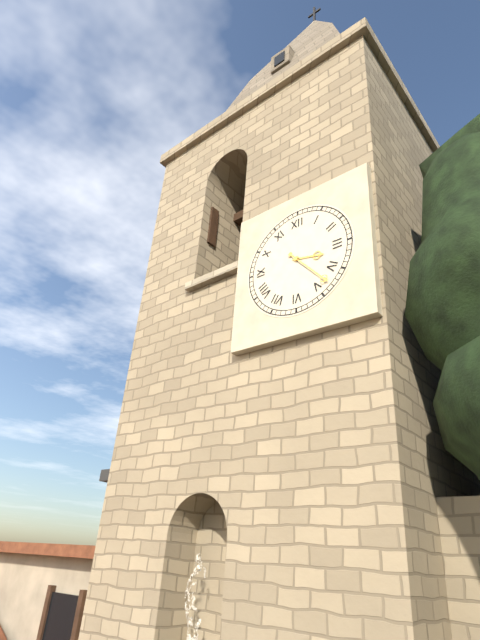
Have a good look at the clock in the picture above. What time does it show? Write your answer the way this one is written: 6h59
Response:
3h23
